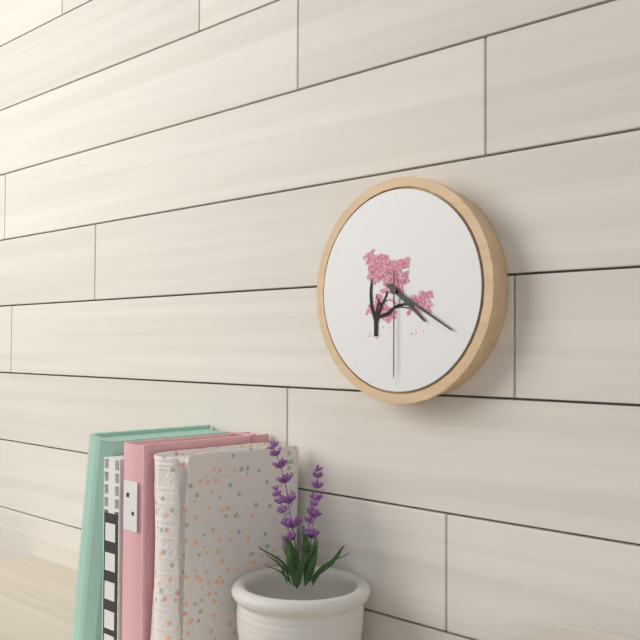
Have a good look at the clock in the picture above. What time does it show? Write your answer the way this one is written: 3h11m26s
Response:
4h20m30s
